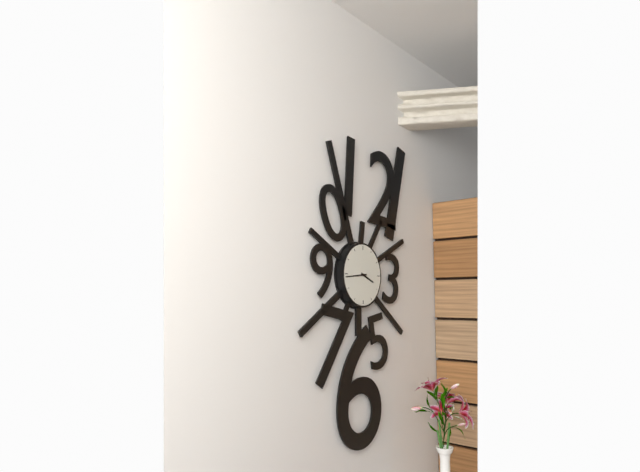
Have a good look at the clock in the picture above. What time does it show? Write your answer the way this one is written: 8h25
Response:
3h44
